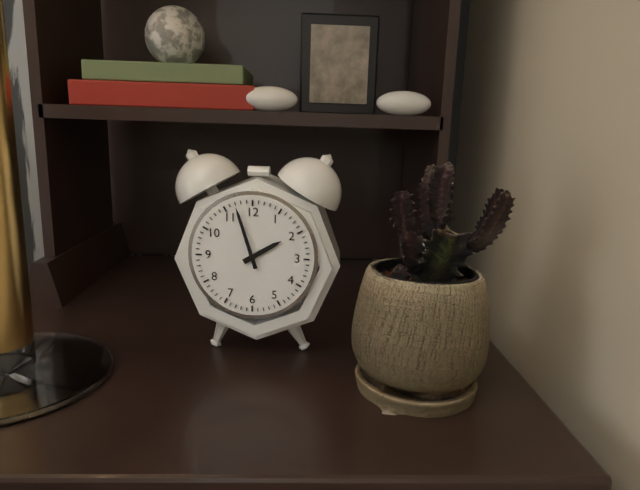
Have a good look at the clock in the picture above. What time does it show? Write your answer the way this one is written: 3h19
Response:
1h57
